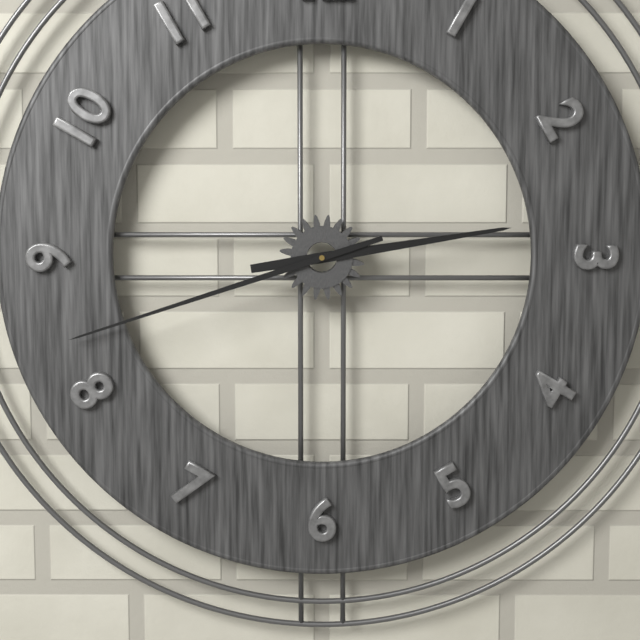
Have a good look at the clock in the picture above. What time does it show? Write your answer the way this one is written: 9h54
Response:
2h42
